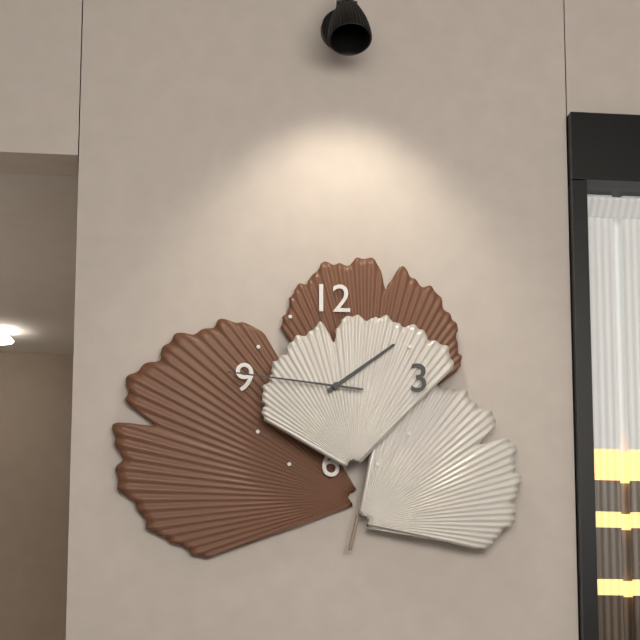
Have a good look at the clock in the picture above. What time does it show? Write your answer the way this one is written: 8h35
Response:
1h46
